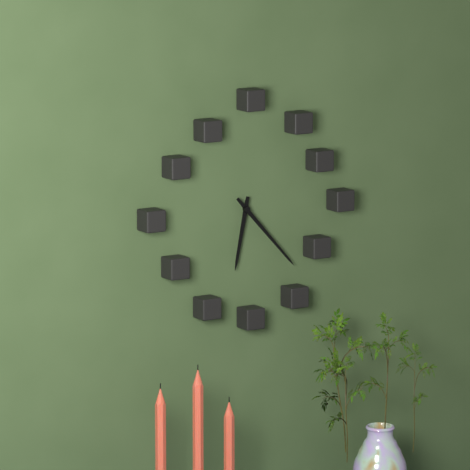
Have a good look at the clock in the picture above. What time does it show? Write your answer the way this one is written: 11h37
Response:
6h23
